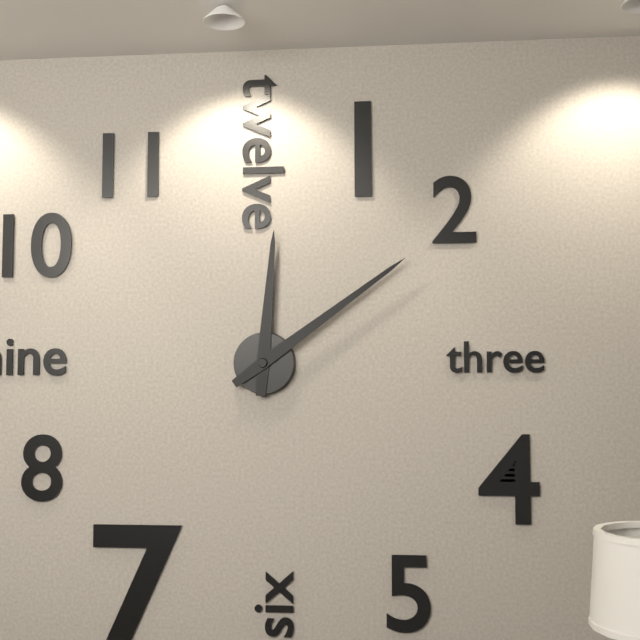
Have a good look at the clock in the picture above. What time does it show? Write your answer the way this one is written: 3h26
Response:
12h09
